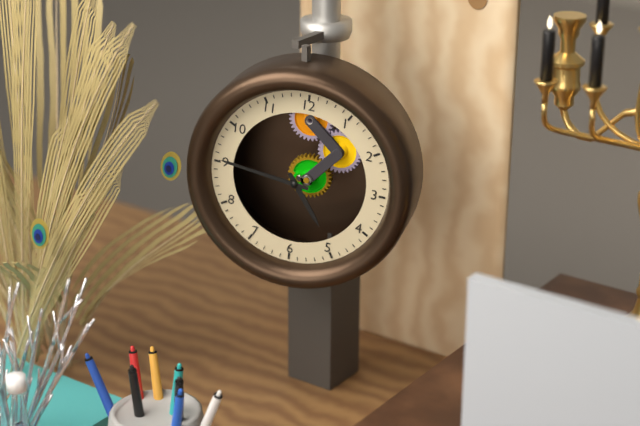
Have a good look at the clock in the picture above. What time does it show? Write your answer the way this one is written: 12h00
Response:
4h46
